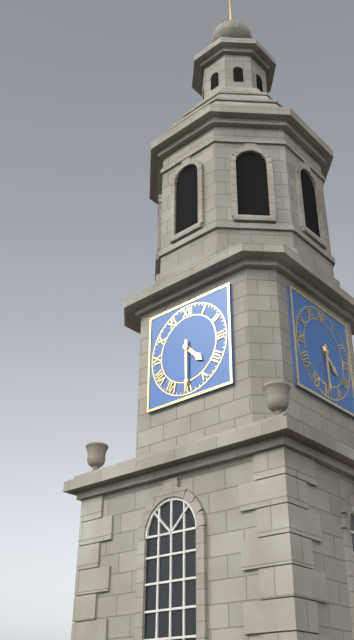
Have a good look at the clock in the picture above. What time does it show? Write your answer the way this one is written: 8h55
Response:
4h30
